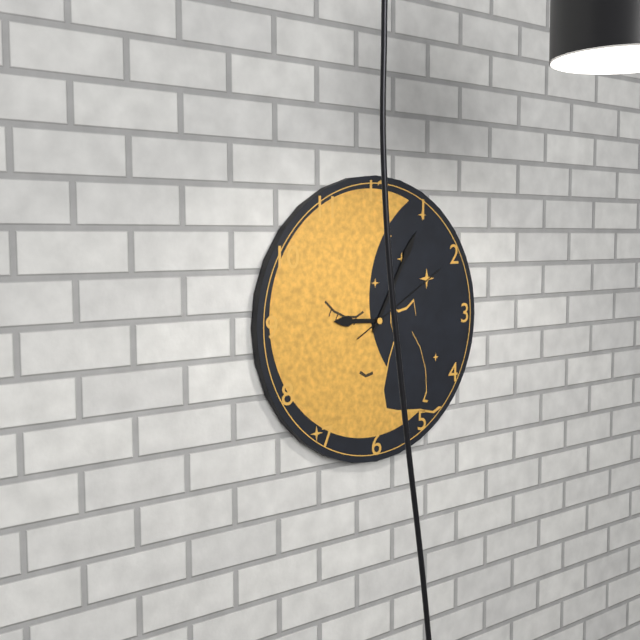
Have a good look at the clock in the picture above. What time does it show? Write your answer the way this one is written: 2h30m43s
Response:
9h05m10s
